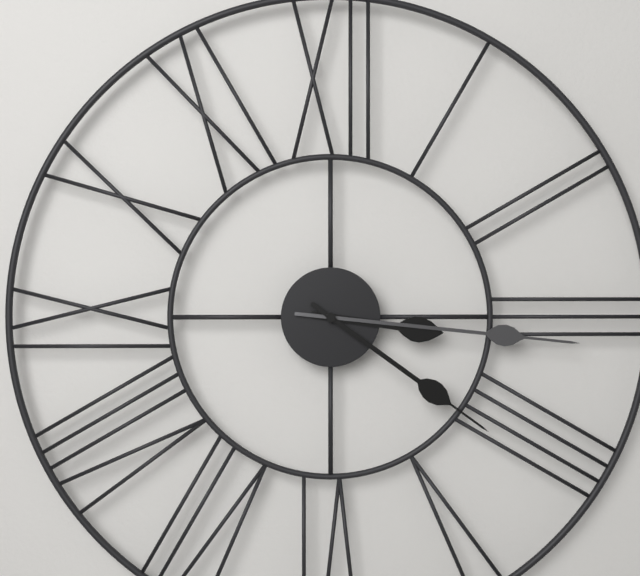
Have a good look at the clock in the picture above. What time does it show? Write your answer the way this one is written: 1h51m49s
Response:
3h16m21s
